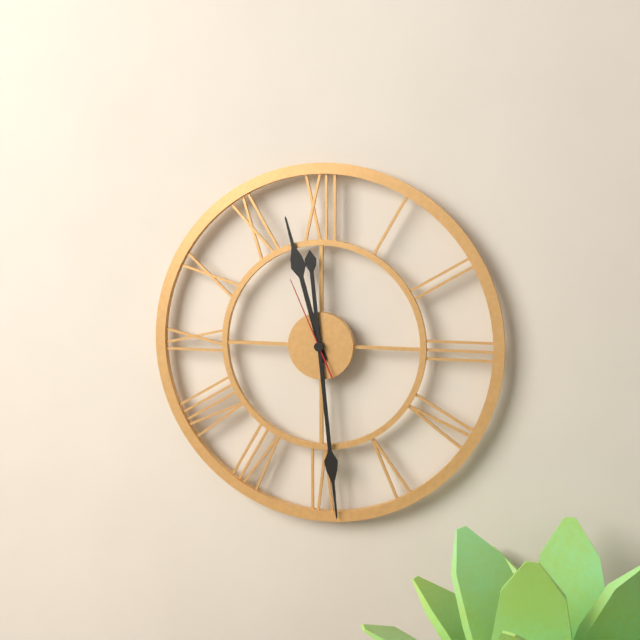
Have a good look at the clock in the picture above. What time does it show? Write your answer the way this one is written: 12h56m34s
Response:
11h29m56s
